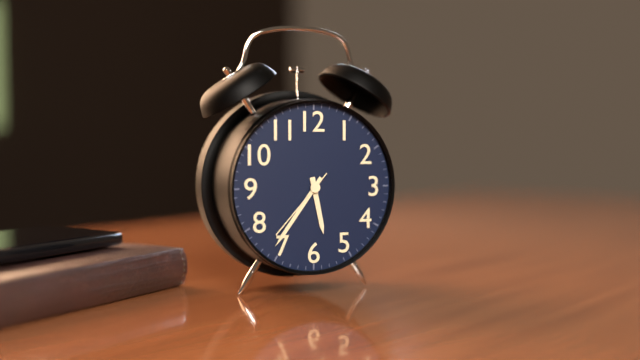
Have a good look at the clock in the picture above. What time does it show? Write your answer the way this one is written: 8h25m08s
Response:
5h36m37s
